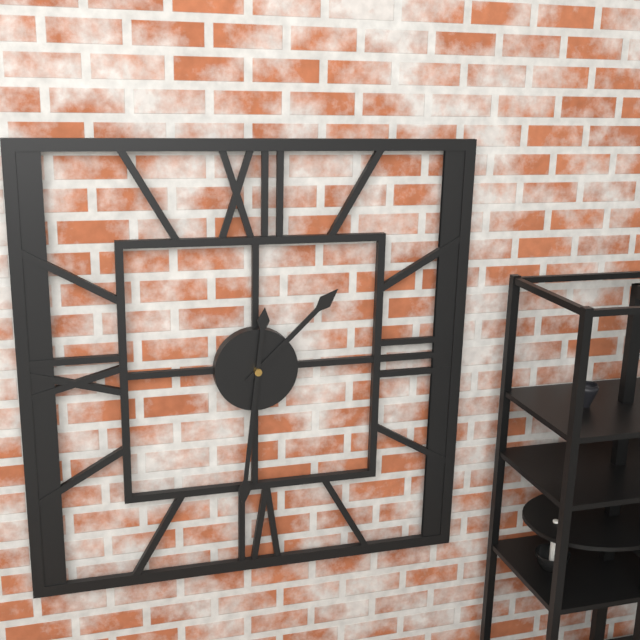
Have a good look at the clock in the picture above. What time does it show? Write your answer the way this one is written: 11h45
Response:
1h31
